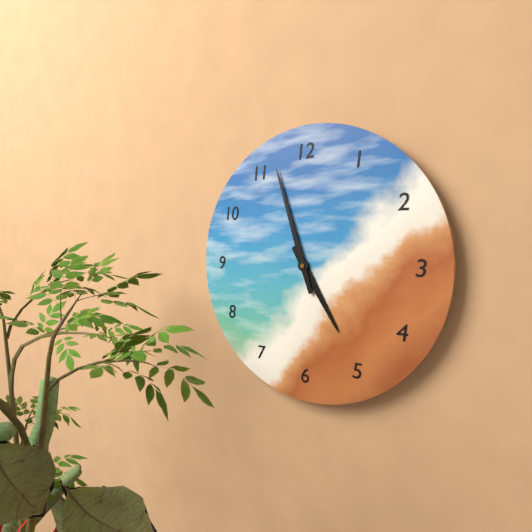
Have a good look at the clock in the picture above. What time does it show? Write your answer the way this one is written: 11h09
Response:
4h57
